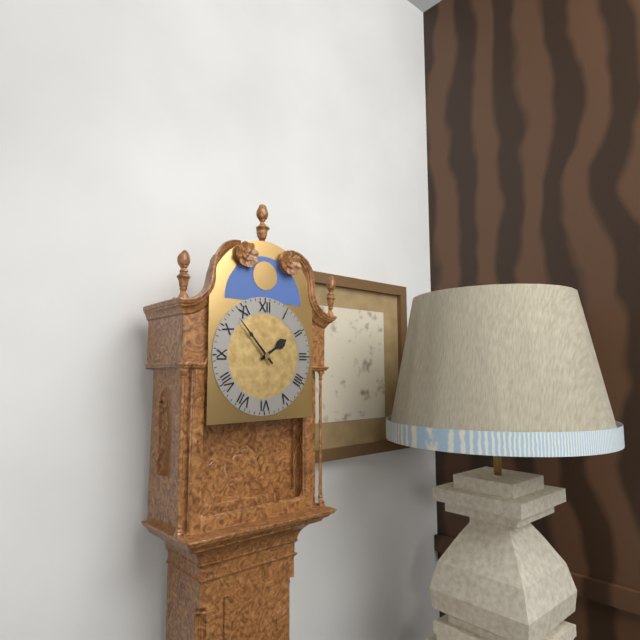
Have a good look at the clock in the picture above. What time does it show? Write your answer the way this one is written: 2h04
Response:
1h53
